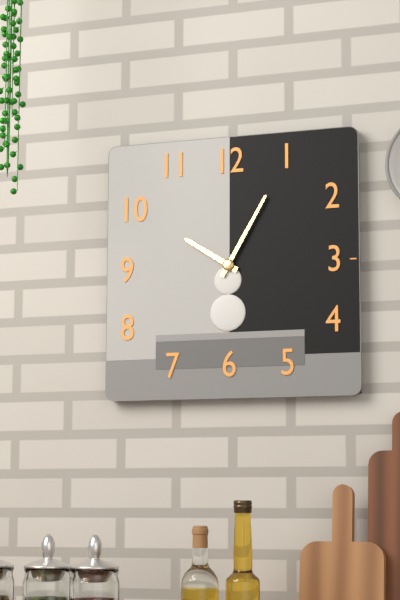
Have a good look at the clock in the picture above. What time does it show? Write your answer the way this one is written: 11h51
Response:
10h05
